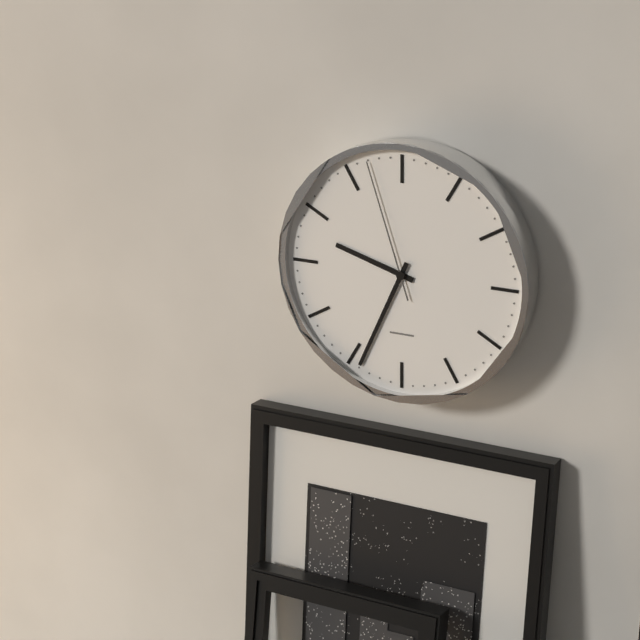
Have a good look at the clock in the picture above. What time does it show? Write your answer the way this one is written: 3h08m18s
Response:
9h34m57s
